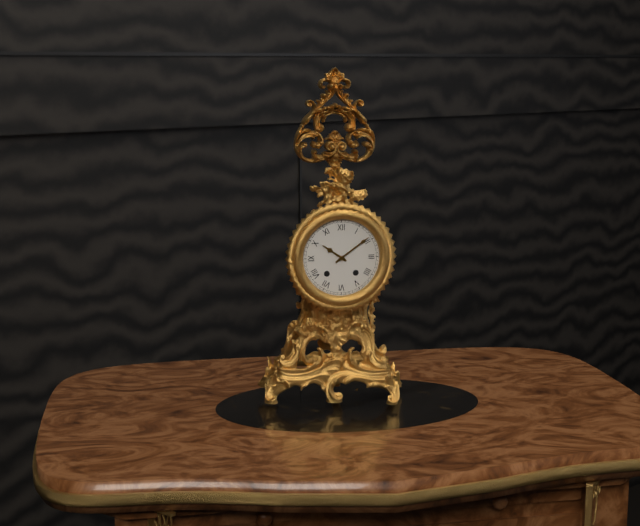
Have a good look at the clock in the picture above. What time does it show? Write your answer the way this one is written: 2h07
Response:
10h09
